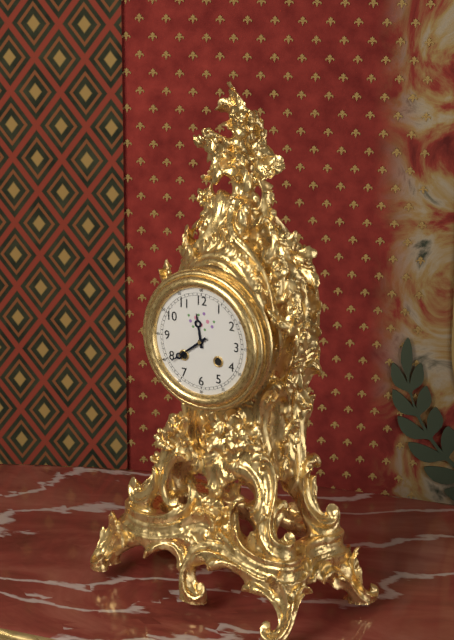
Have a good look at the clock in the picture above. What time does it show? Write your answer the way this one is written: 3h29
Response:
11h39
